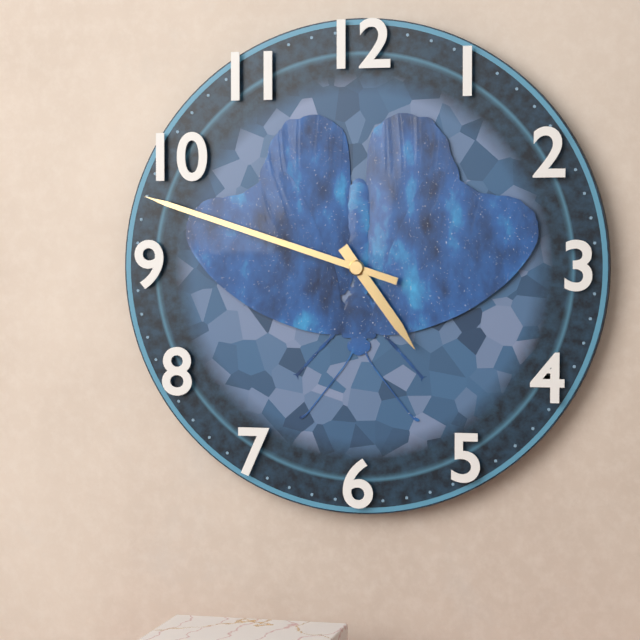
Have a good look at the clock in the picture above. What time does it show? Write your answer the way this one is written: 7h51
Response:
4h48
